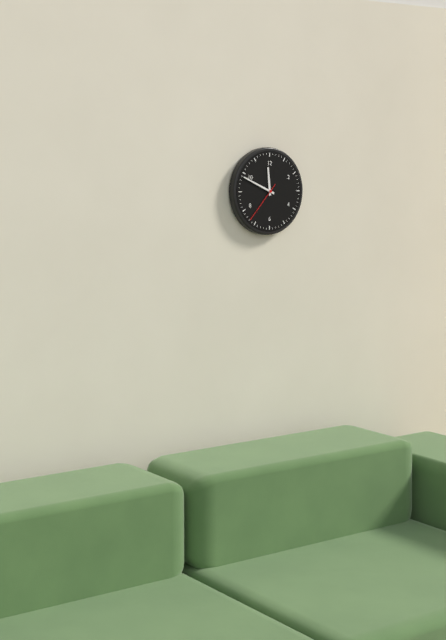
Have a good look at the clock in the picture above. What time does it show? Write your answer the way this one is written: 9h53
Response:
11h49
